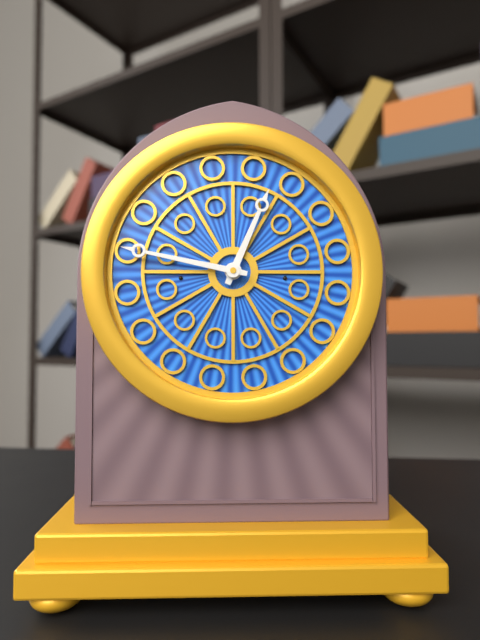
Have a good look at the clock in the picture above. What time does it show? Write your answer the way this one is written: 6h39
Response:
12h47
